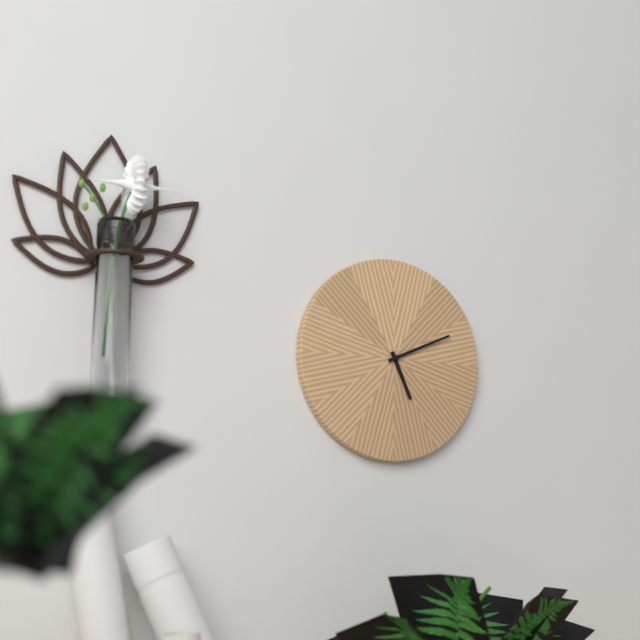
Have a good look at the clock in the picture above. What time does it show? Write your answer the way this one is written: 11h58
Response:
5h11
